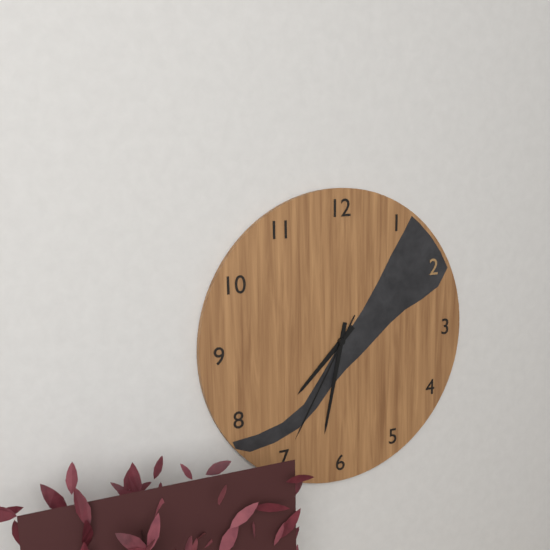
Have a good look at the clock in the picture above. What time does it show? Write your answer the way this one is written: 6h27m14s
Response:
7h32m35s
